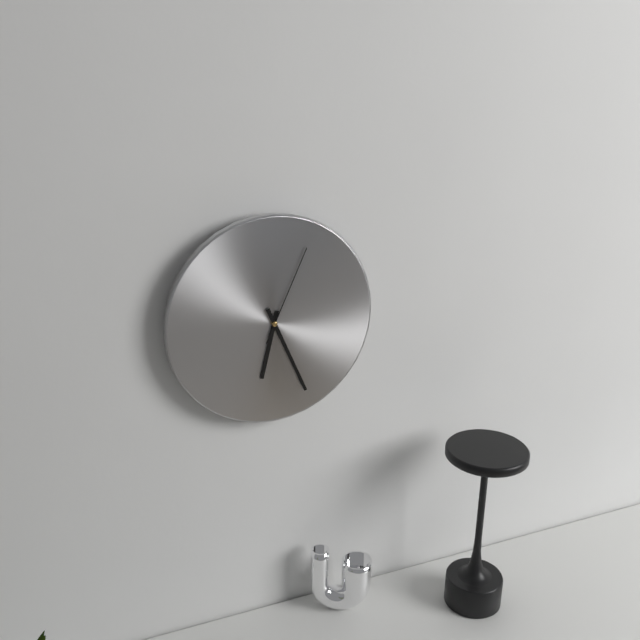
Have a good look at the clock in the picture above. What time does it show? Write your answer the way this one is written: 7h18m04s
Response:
6h26m04s
